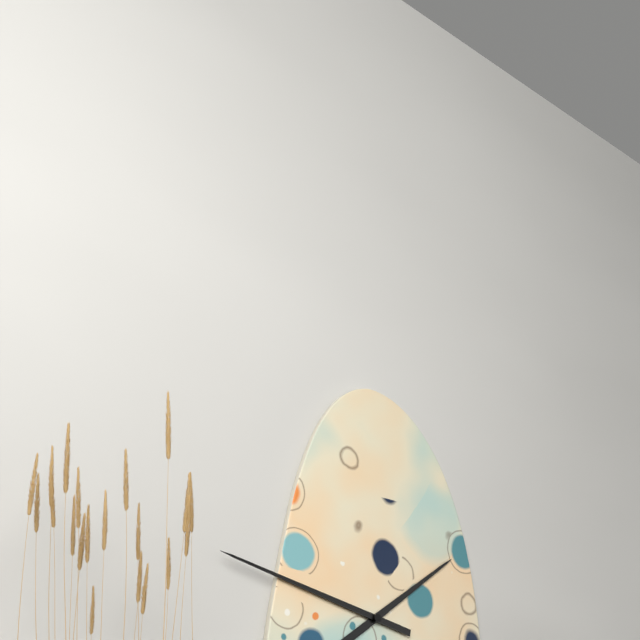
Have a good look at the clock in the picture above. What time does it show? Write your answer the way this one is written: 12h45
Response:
1h47
